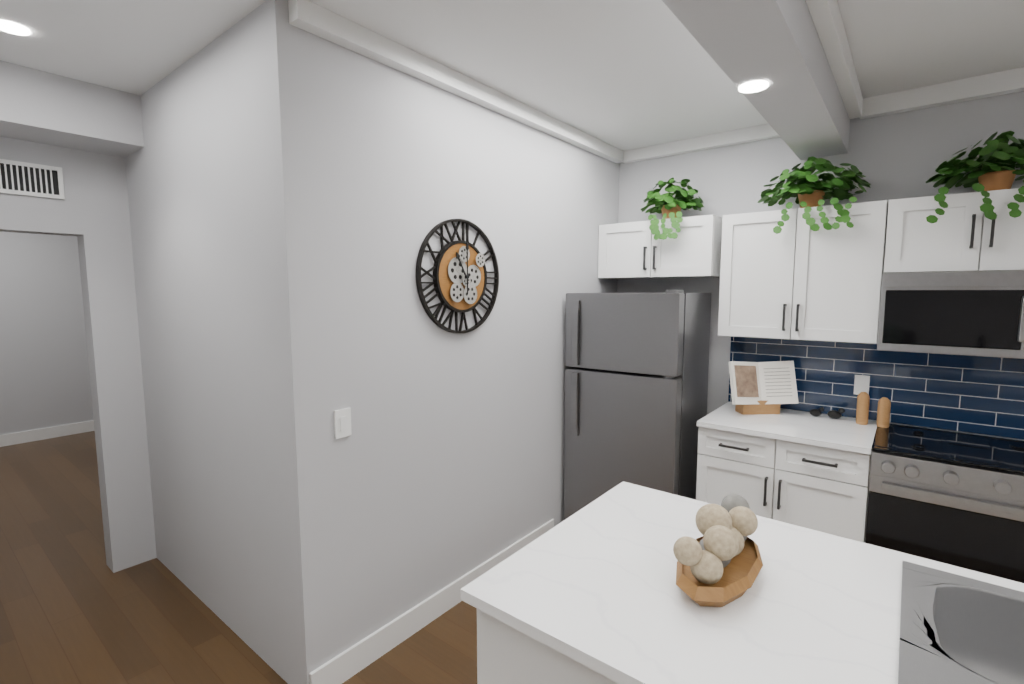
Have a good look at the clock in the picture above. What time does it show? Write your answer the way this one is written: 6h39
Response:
11h00
